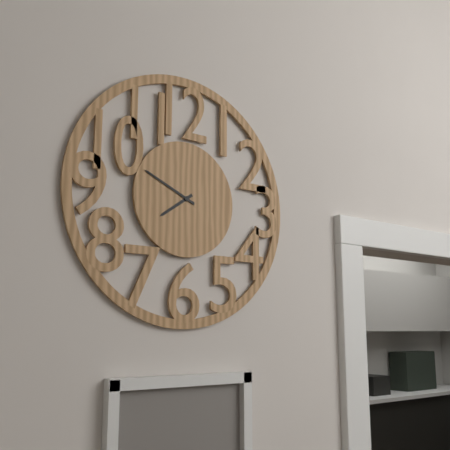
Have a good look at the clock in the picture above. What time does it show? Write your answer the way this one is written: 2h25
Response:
7h49
